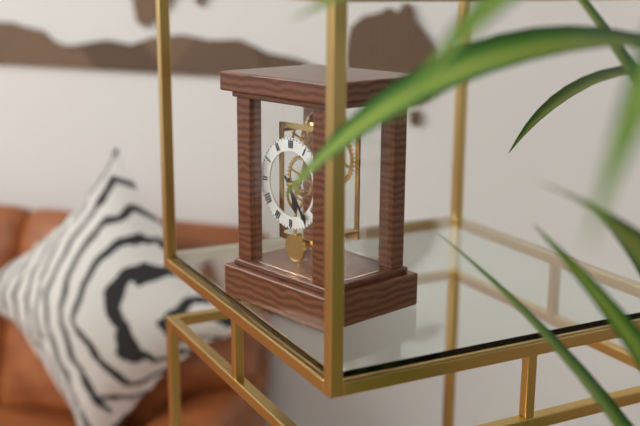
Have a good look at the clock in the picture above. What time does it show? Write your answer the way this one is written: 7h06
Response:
5h24
